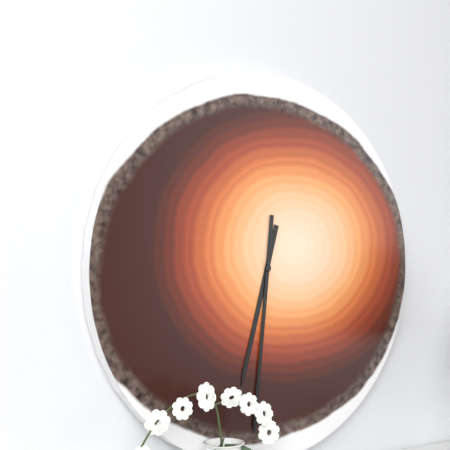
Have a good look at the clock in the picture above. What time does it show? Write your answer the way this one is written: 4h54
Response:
6h31
